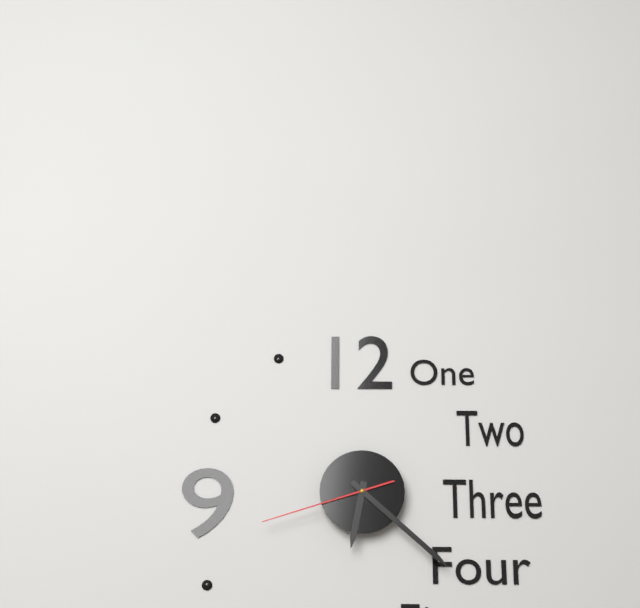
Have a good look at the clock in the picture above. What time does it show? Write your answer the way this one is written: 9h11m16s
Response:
6h22m42s
